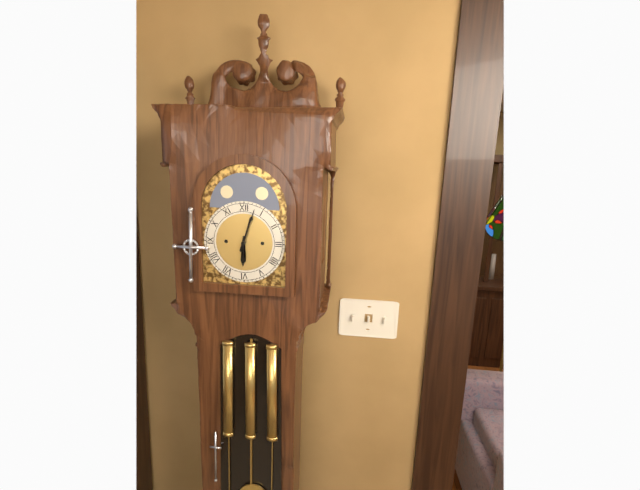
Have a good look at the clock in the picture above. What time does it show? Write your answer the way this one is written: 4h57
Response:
6h03
